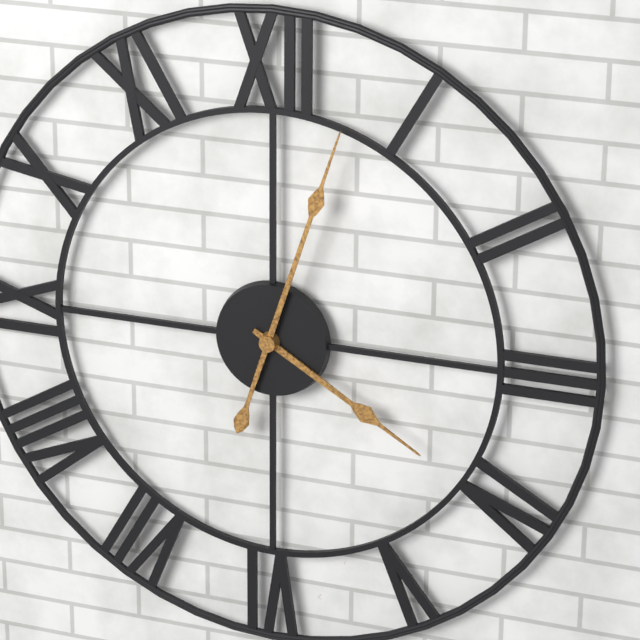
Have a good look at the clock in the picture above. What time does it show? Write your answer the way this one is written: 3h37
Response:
4h03
